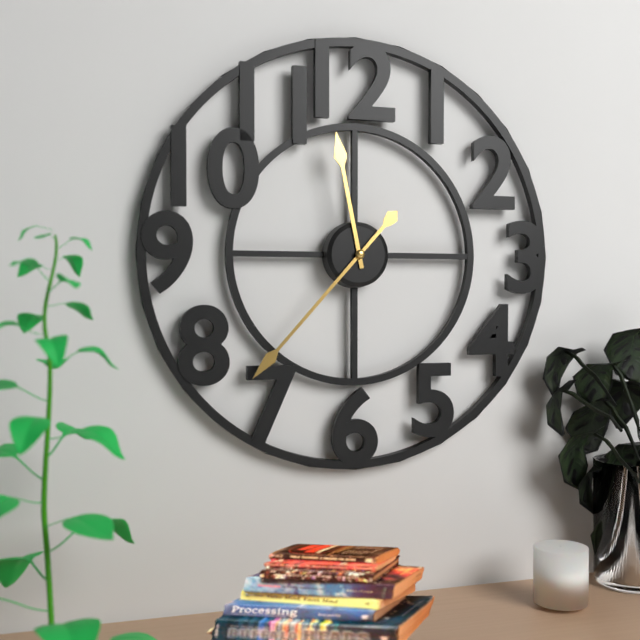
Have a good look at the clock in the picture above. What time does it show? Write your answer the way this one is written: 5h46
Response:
11h37
